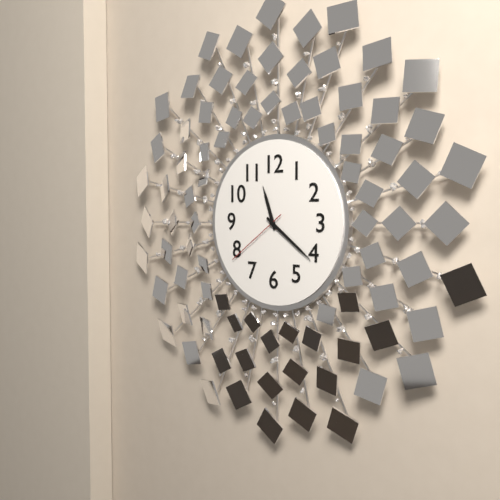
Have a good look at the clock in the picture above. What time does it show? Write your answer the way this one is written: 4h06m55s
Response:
11h21m39s
